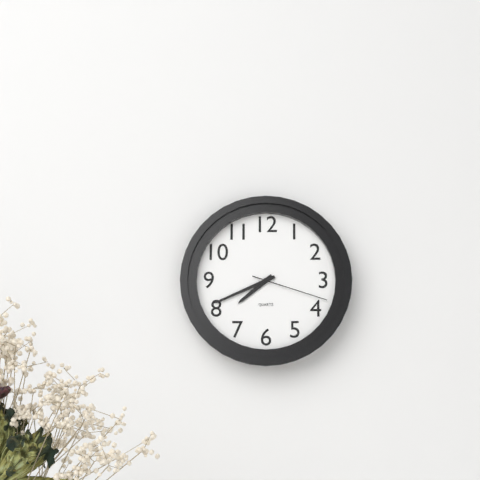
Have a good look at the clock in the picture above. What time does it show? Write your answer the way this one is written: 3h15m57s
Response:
7h41m18s
